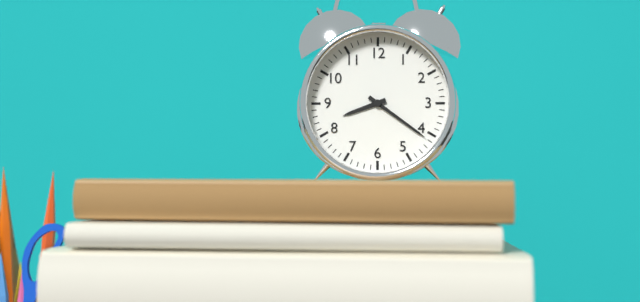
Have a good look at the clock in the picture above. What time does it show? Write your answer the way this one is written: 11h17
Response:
8h21
